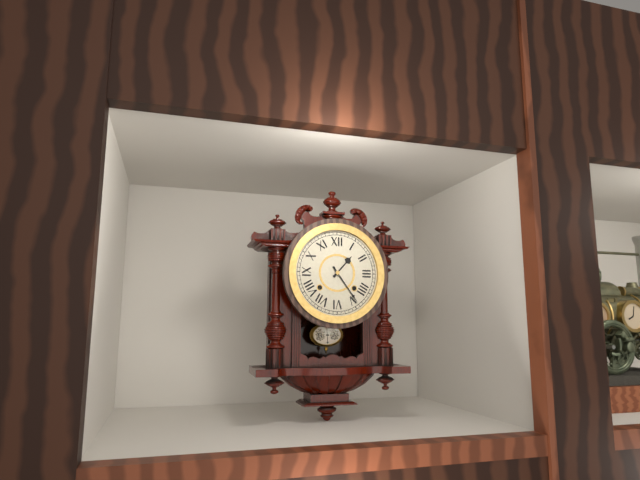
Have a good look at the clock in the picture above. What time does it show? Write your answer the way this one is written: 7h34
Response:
1h24
